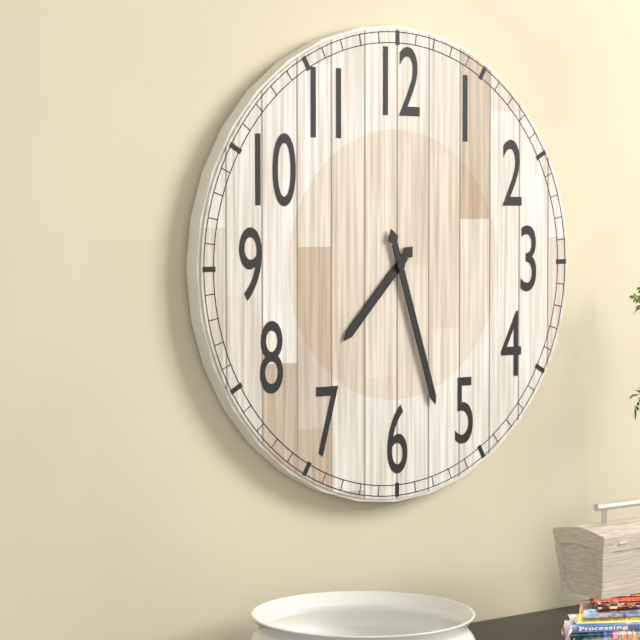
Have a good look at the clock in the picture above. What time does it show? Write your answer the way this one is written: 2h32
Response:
7h27
